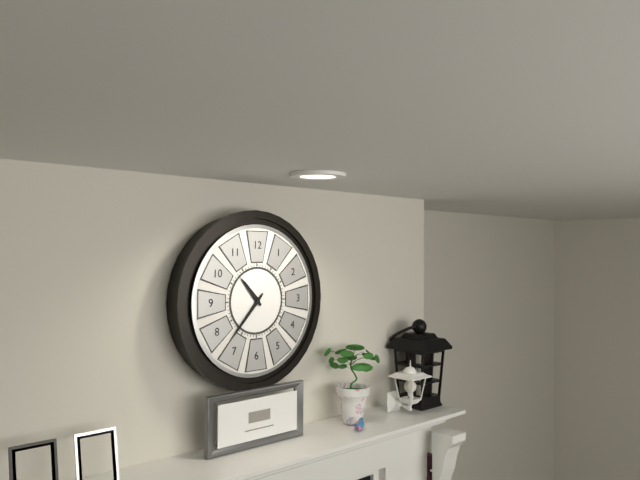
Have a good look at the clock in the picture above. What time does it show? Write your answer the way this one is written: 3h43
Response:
10h37
